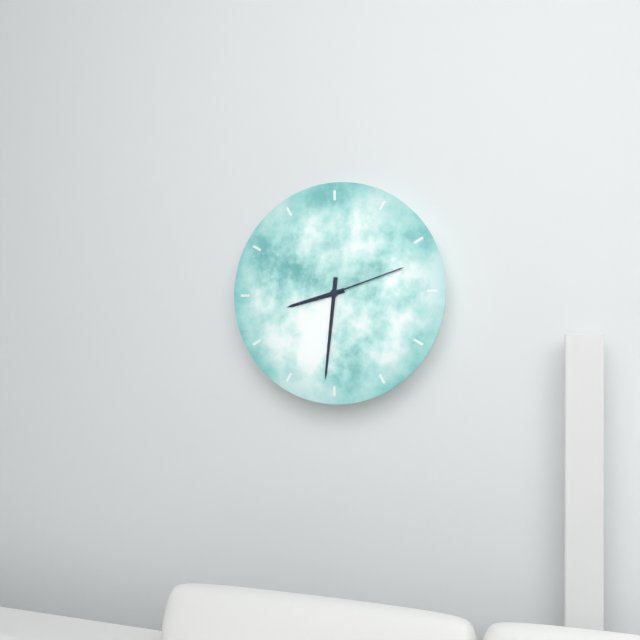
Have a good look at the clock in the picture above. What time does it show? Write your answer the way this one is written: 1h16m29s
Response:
8h31m12s
